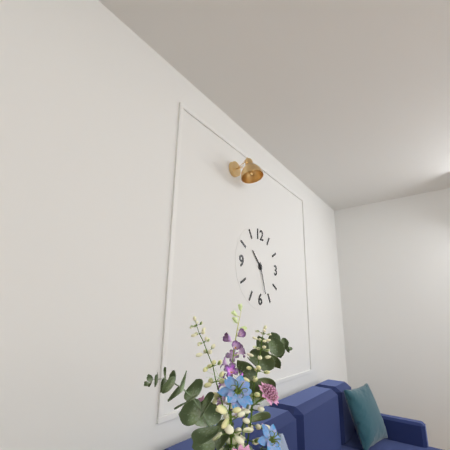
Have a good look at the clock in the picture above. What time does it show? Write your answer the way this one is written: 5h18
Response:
10h27
